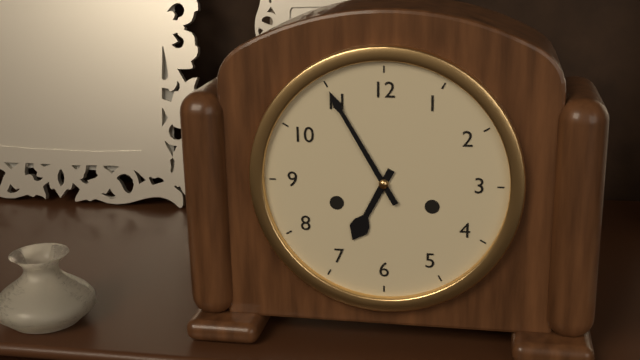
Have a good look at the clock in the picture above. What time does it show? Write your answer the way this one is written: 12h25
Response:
6h55
